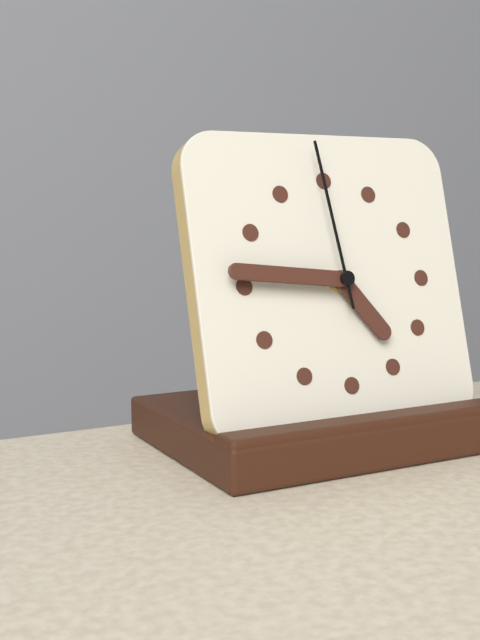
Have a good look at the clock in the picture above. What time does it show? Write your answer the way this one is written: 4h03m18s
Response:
4h46m59s
